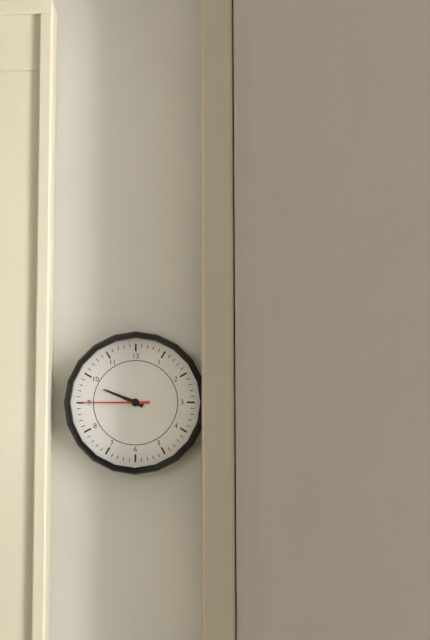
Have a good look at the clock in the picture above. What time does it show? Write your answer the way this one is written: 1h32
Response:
9h45
